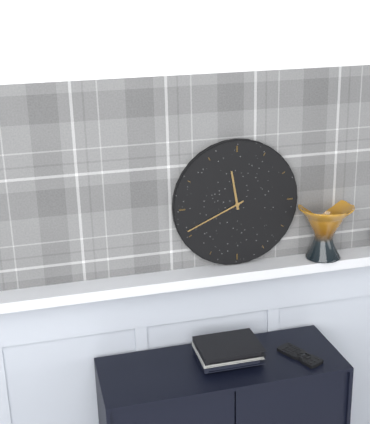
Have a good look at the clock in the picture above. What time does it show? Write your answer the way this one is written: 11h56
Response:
11h41
